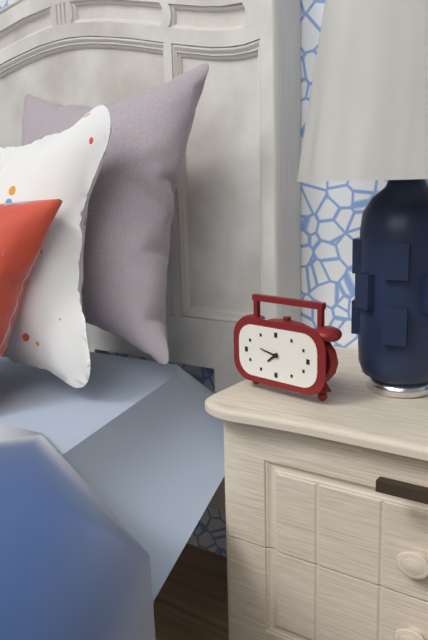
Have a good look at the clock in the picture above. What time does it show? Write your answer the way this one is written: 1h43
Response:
7h47
